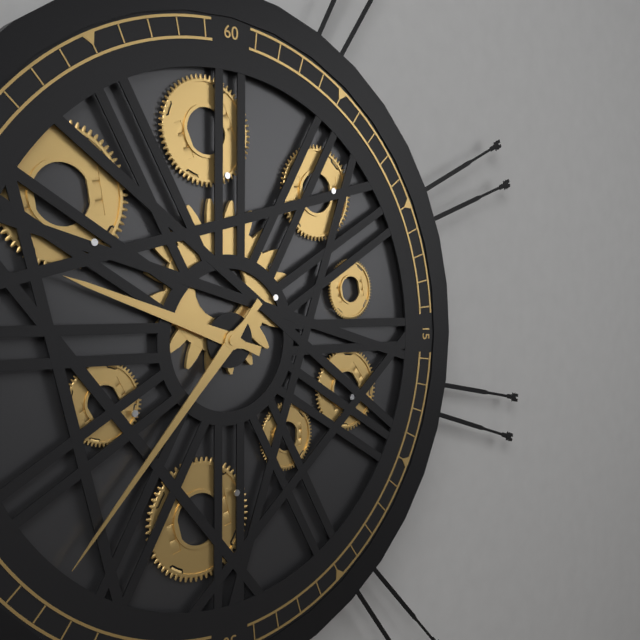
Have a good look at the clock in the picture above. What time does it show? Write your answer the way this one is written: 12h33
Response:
9h37
